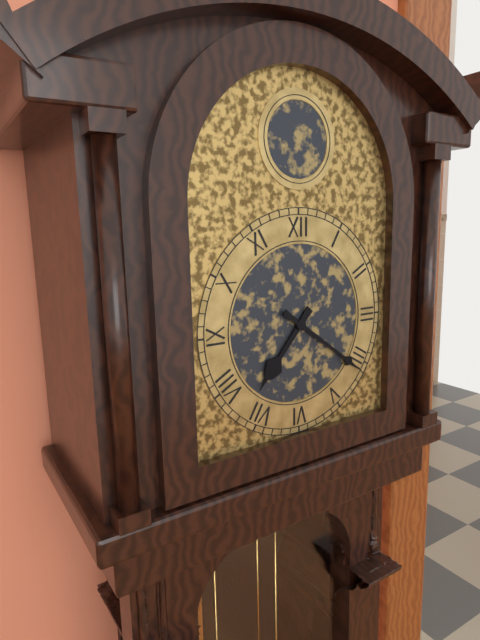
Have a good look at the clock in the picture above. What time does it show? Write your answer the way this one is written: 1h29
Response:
7h21
